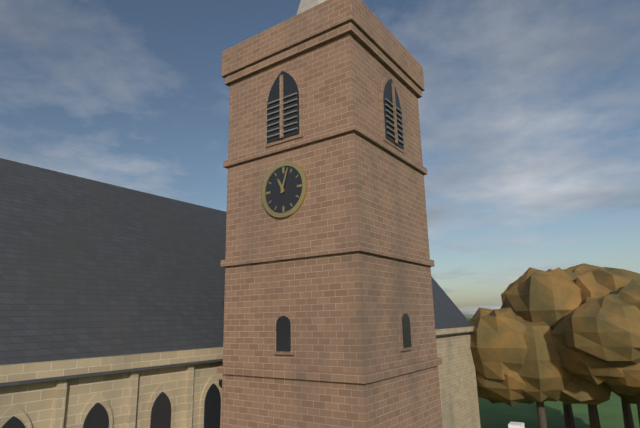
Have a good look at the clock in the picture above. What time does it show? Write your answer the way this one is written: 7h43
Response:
11h03
